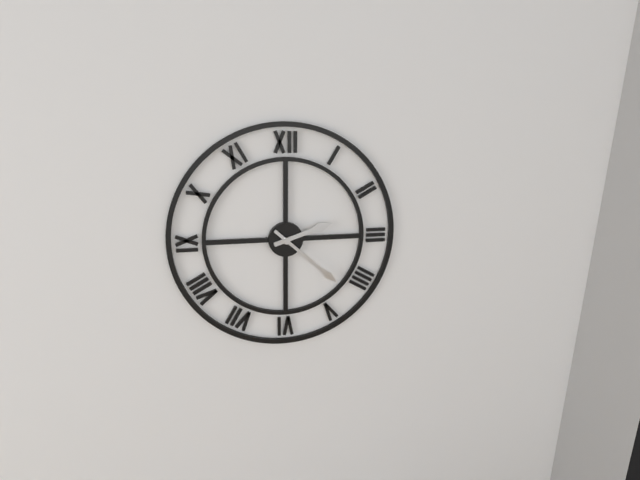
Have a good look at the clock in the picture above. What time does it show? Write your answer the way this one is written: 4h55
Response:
2h22
